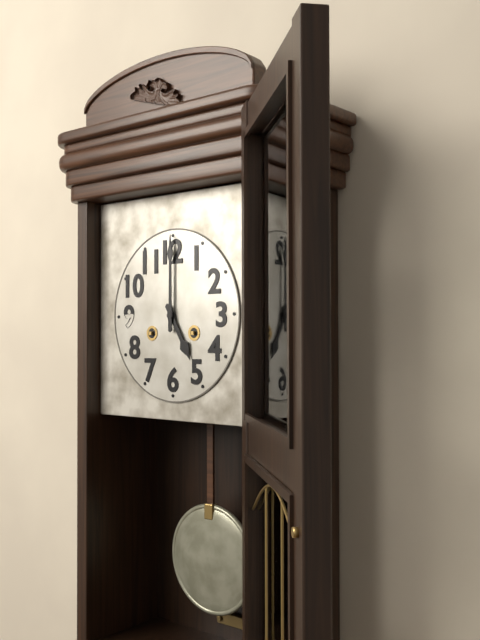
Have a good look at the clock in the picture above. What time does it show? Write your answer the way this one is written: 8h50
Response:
5h00
